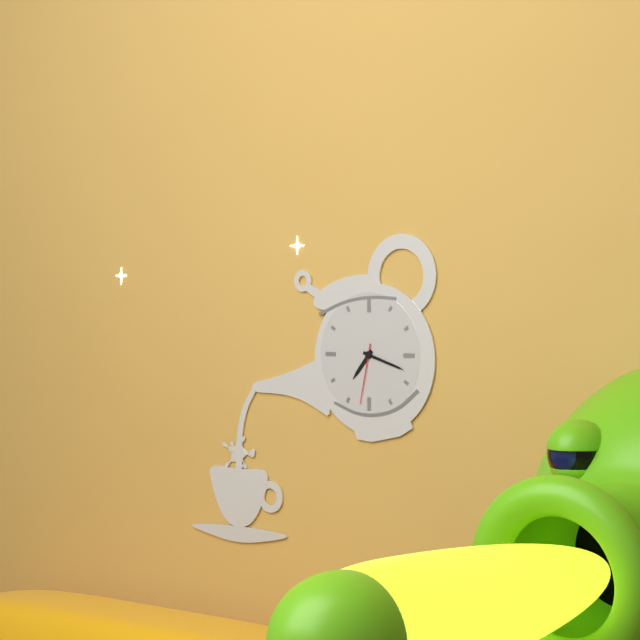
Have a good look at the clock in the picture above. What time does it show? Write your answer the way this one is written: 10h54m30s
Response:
7h18m32s
